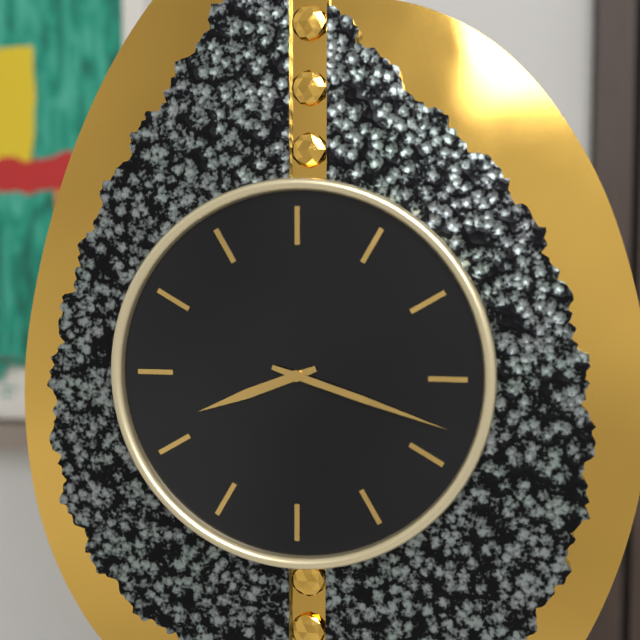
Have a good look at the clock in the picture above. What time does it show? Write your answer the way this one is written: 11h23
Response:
8h18
